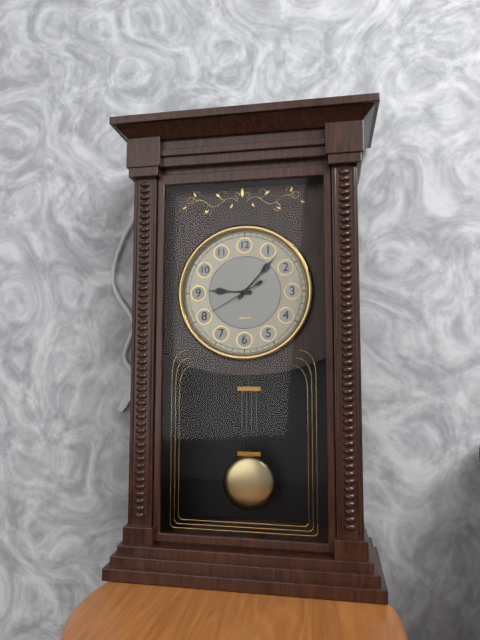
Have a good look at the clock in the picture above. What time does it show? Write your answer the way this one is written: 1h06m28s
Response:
9h07m40s
